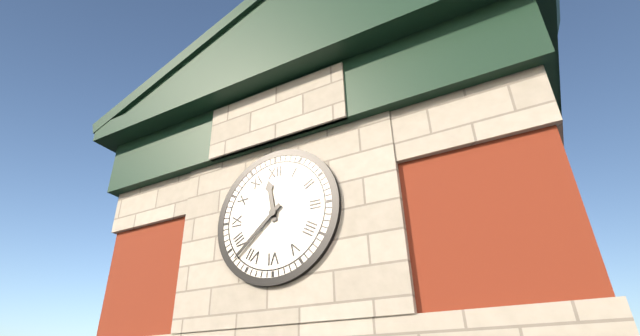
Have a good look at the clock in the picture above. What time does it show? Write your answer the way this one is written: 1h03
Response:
11h38
